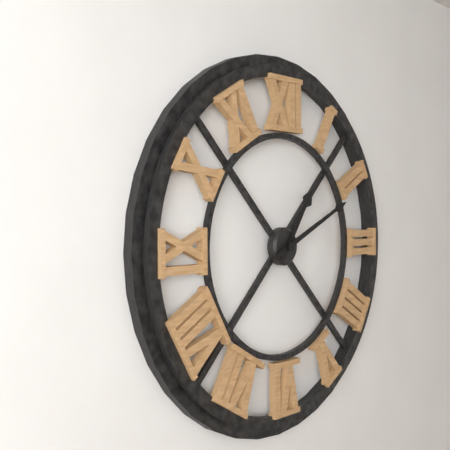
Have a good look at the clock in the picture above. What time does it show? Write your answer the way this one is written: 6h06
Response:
1h11
